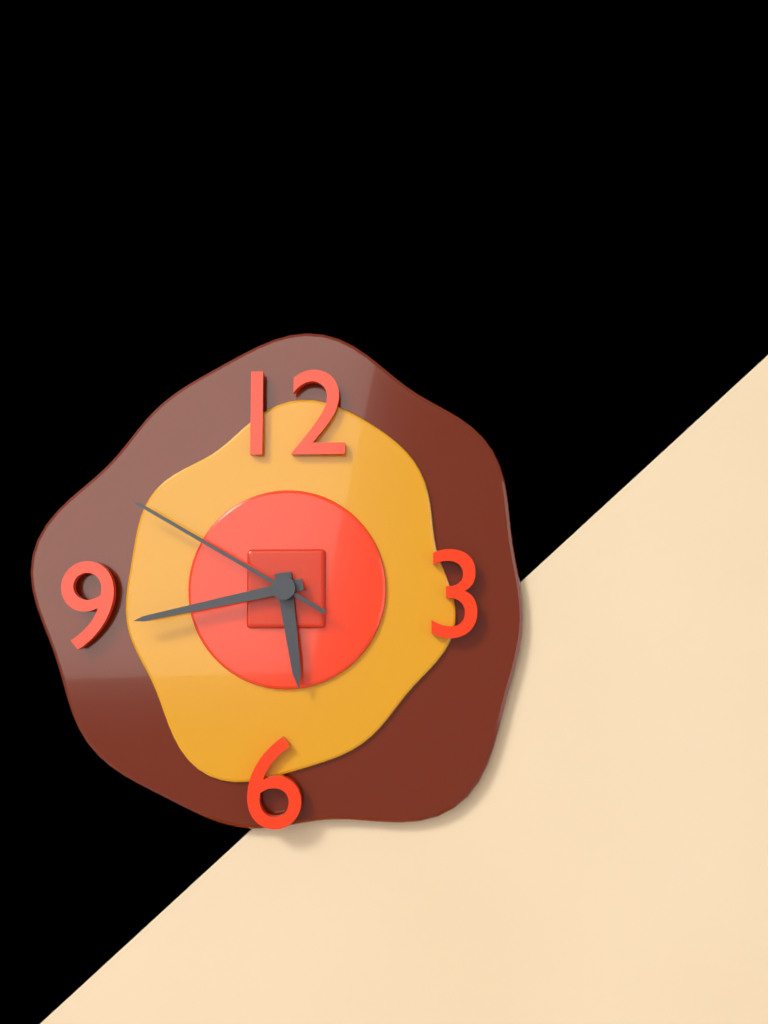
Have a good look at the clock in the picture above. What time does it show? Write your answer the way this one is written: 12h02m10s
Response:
5h43m50s
